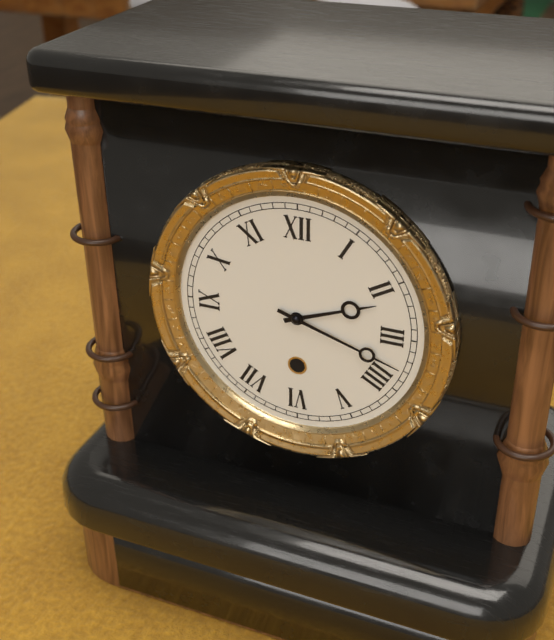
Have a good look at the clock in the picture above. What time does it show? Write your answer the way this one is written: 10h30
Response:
2h18
